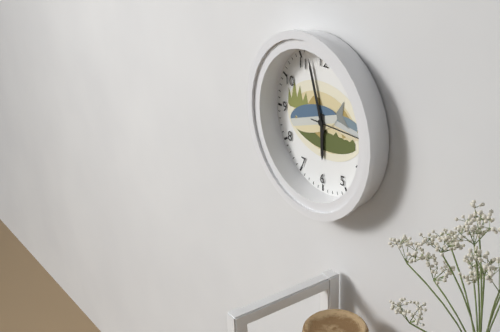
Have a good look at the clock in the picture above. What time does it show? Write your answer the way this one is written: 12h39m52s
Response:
5h57m15s
